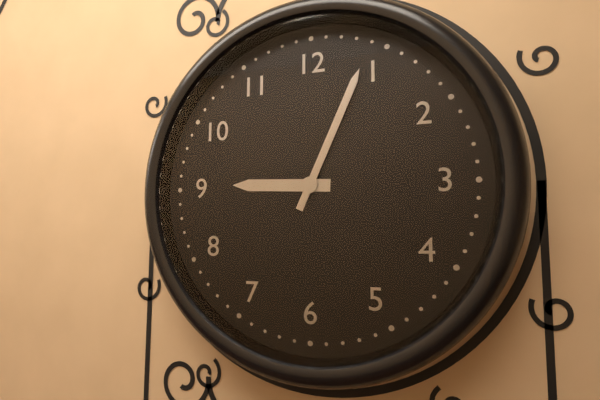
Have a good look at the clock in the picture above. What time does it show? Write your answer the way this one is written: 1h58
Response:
9h04
